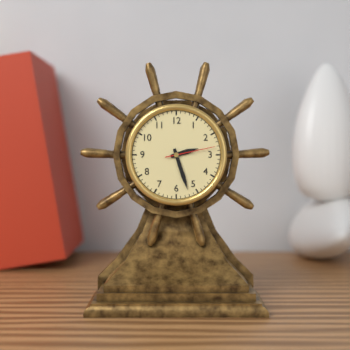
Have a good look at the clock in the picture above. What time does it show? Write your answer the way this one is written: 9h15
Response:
2h27
